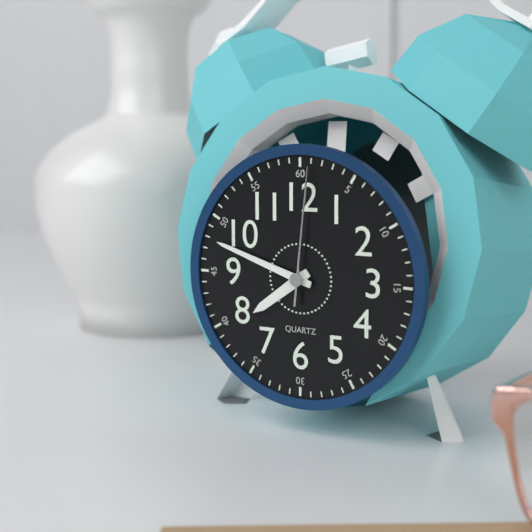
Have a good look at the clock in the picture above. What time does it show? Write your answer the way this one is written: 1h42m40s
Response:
7h48m01s
